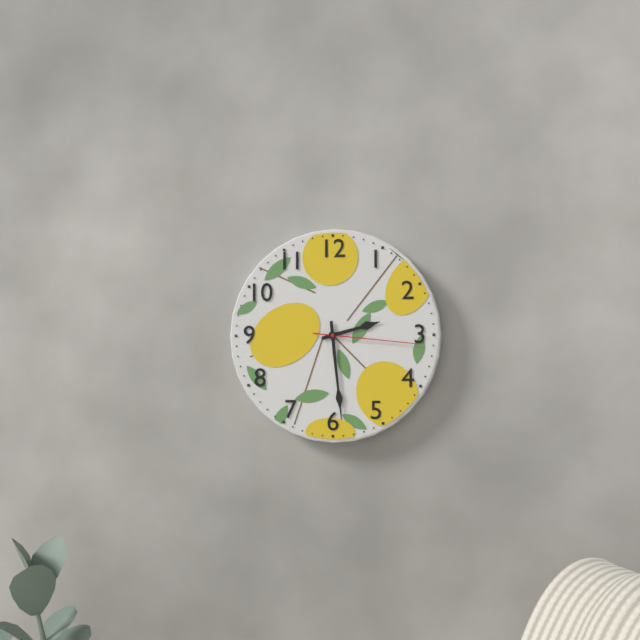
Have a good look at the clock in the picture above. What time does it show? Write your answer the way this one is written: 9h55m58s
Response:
2h29m16s
